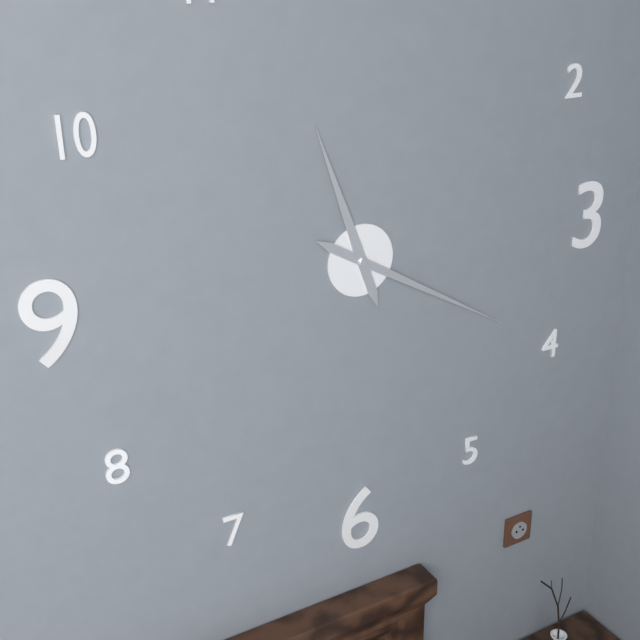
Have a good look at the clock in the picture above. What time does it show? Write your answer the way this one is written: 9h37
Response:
11h20
